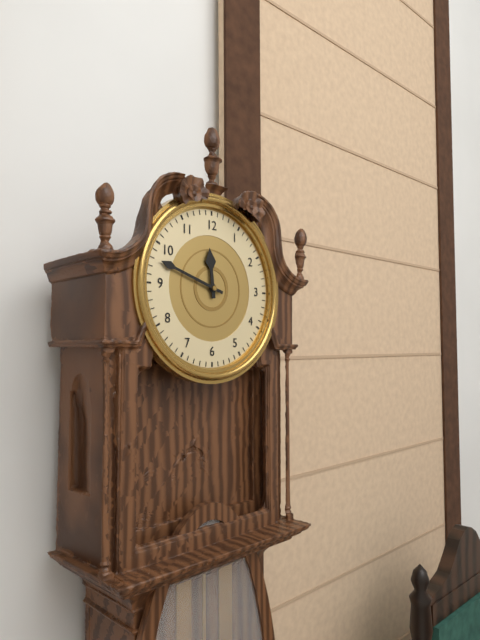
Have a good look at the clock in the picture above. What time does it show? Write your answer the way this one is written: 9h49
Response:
11h48
